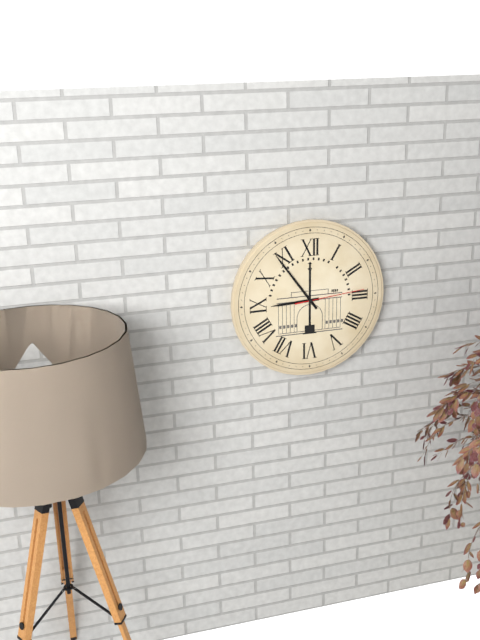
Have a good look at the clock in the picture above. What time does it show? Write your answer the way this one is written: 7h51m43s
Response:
8h54m14s
